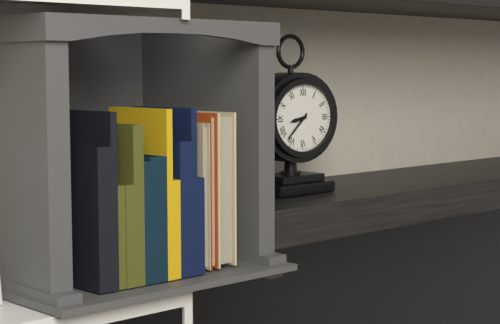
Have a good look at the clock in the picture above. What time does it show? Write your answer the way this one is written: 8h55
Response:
8h38
